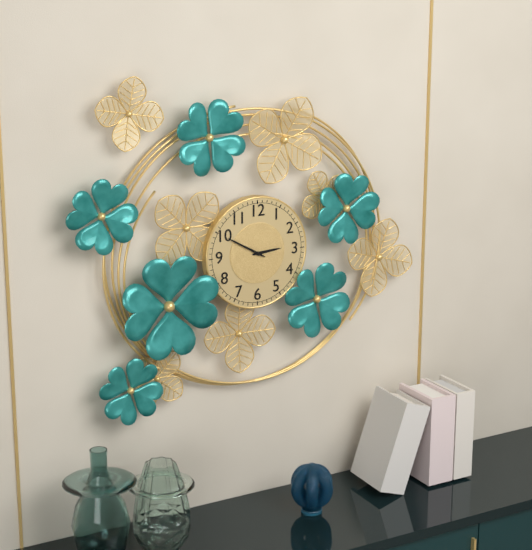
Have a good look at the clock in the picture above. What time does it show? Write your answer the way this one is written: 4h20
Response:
2h50
